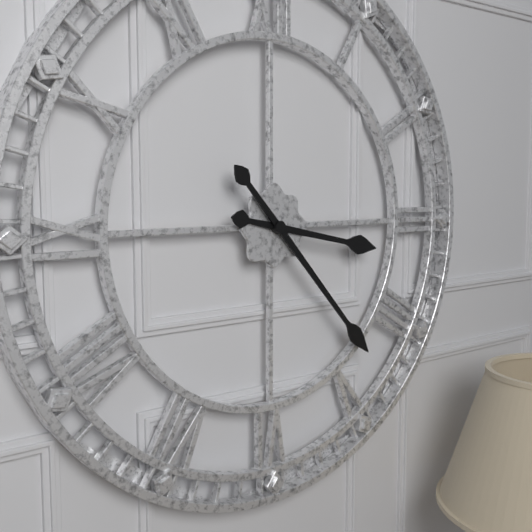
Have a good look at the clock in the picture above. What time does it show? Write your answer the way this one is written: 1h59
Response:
3h23
